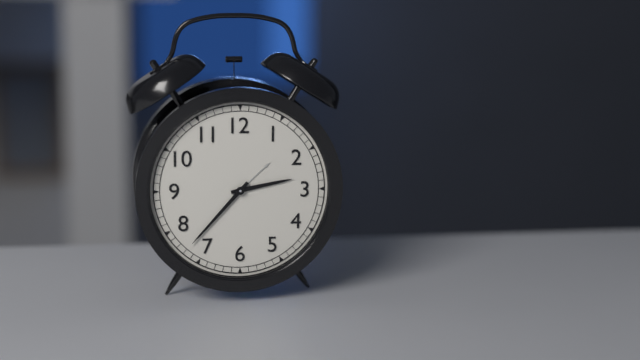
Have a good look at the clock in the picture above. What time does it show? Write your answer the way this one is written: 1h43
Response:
2h37
